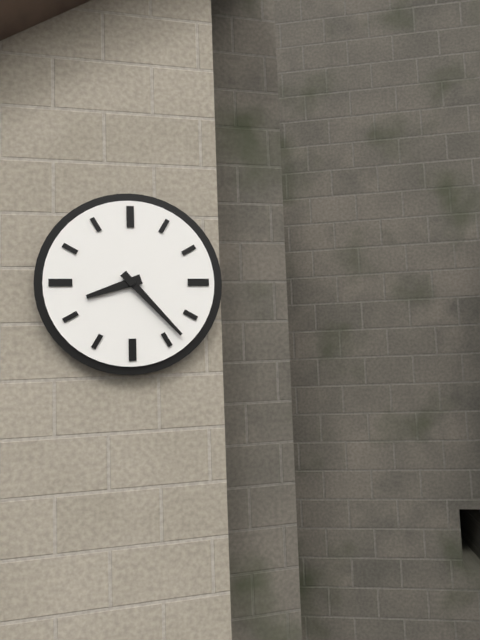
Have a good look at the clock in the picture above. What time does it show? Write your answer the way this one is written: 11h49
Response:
8h23
